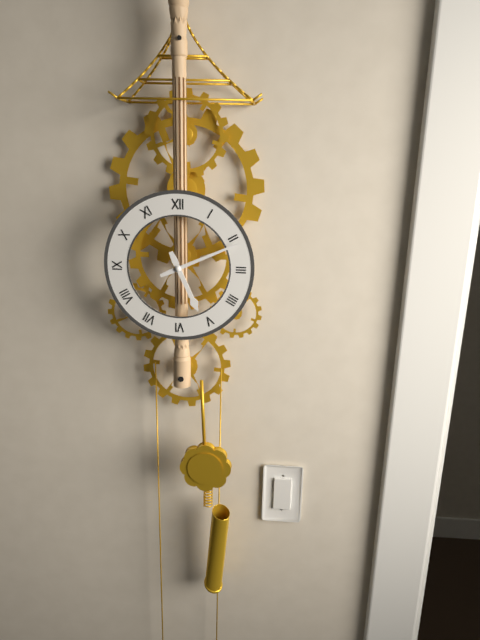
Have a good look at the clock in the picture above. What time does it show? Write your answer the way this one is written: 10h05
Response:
5h11
